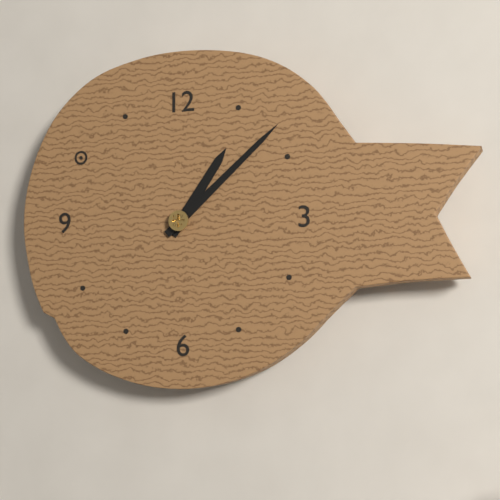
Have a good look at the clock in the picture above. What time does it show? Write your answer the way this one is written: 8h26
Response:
1h08
